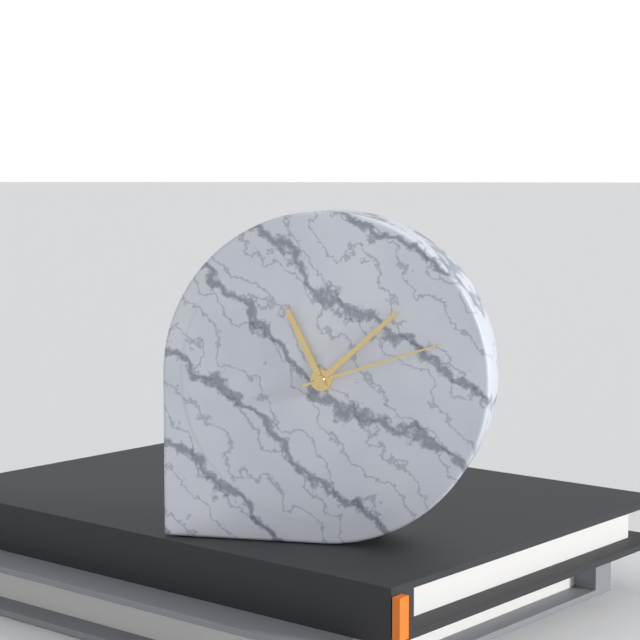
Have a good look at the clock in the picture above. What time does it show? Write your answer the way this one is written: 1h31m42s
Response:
11h08m12s
